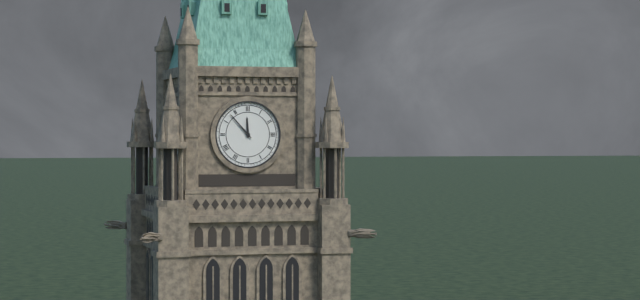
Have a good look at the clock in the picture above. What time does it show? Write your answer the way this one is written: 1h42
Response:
11h53
